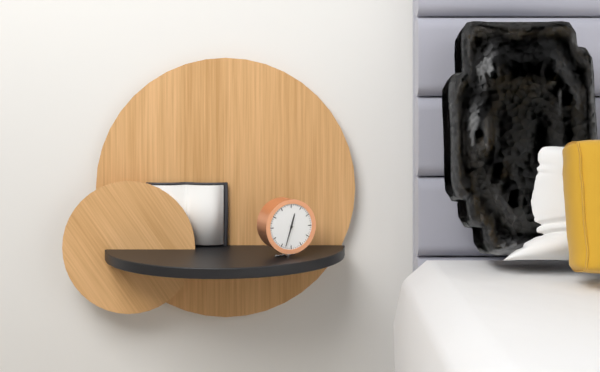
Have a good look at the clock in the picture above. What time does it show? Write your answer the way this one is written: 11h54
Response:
12h33
